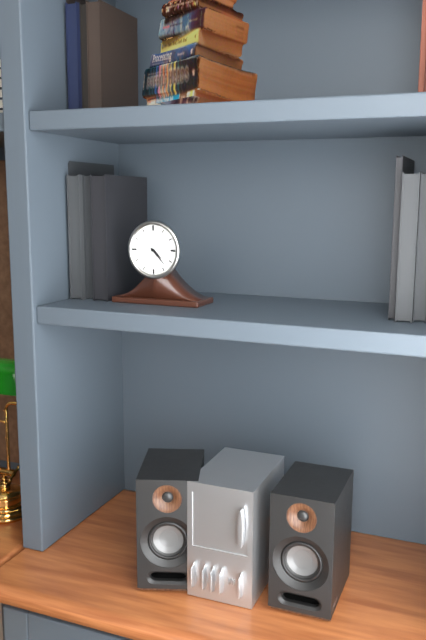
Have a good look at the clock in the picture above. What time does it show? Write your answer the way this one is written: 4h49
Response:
4h23
